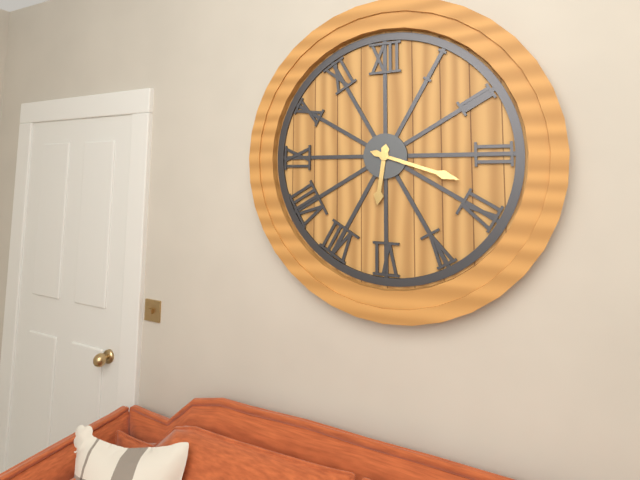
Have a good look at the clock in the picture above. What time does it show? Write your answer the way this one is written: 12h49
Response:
6h18
